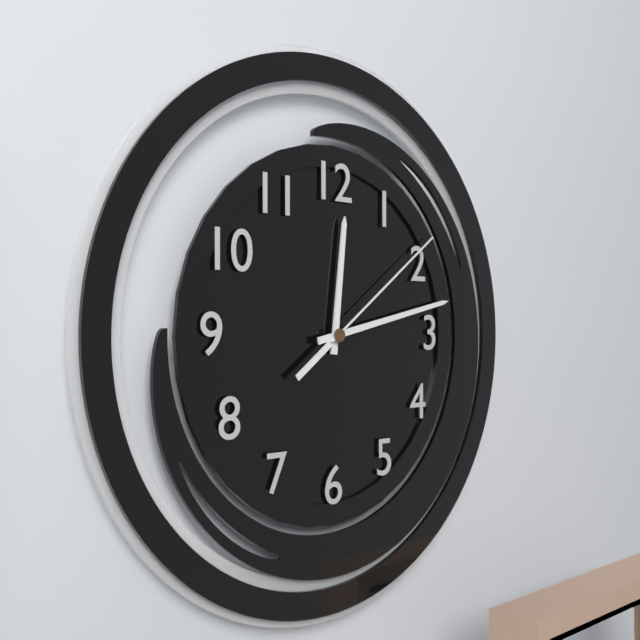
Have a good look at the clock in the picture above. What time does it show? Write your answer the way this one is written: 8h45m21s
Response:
12h13m09s
